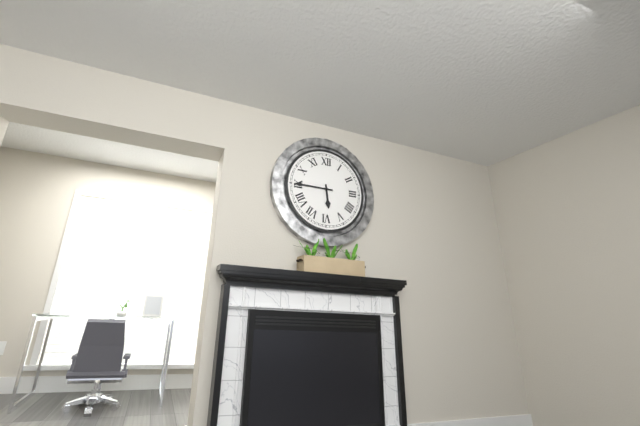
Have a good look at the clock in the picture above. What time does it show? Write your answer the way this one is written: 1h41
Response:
5h45
